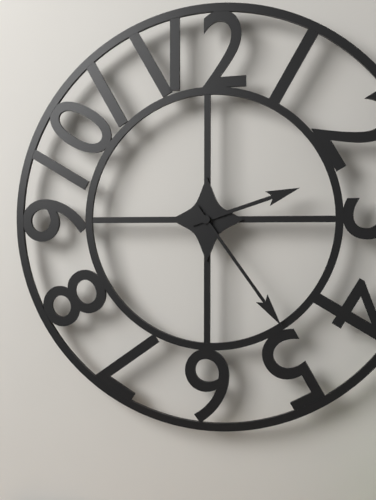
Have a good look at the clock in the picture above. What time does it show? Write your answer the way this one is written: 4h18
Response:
2h24
